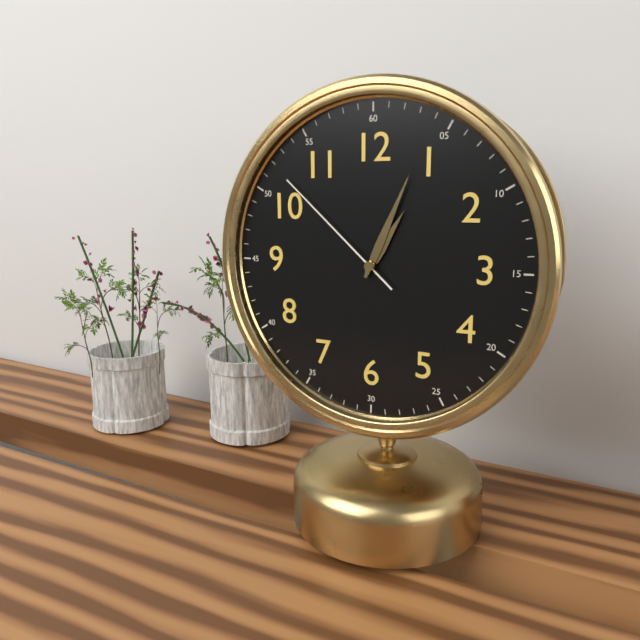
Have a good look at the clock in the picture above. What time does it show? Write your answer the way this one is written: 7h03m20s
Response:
1h04m52s
